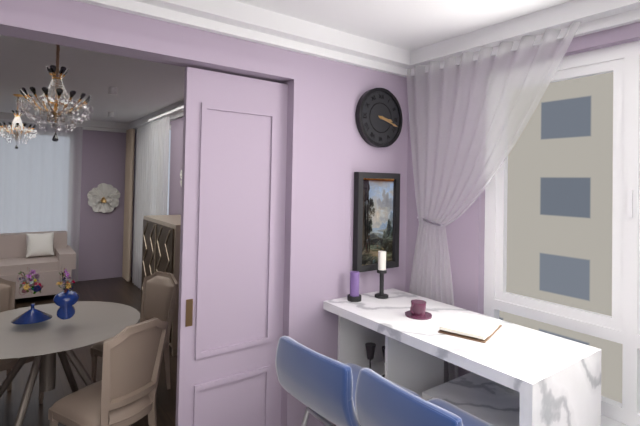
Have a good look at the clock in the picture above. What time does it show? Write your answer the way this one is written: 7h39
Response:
3h18
